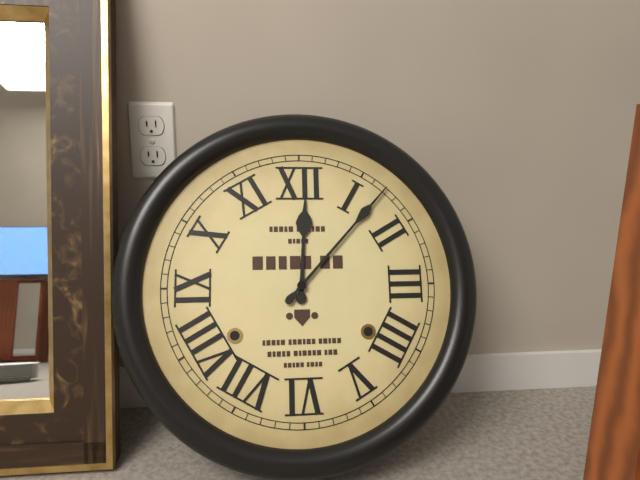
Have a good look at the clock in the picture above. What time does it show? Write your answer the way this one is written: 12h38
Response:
12h07
